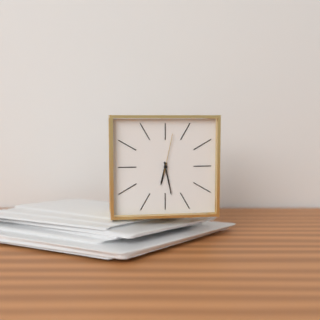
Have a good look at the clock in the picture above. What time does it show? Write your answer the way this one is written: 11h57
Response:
6h28
